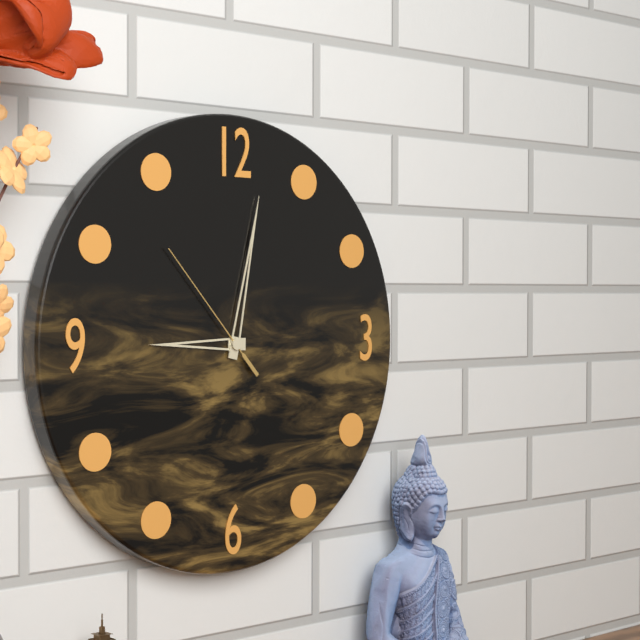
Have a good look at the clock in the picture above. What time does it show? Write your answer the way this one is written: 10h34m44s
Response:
9h02m53s
